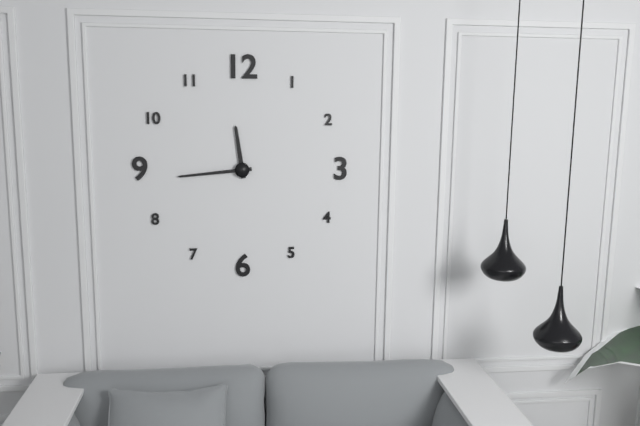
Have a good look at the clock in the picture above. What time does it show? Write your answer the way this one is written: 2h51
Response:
11h44
